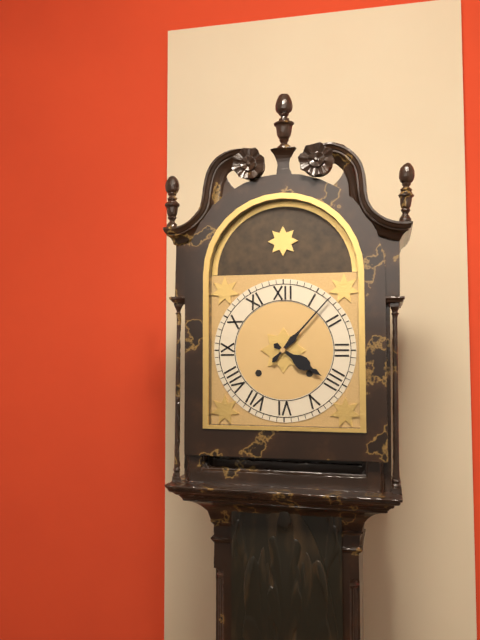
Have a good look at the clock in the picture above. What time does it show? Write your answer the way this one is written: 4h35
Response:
4h07
